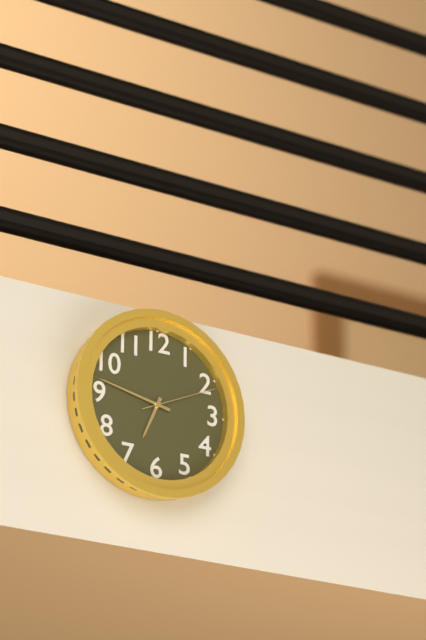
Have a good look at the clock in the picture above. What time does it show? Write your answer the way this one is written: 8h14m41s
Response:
6h47m11s
